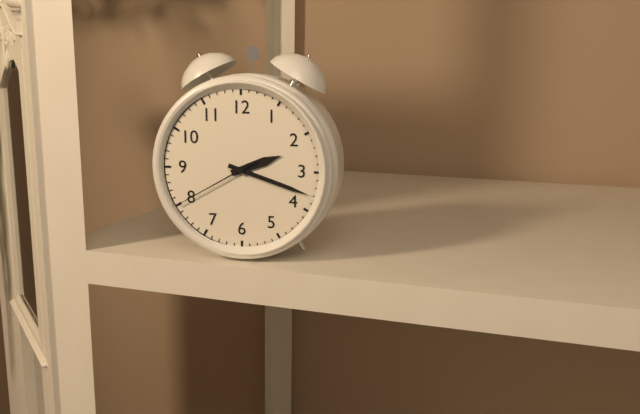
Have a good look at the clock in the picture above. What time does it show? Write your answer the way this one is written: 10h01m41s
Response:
2h18m40s
